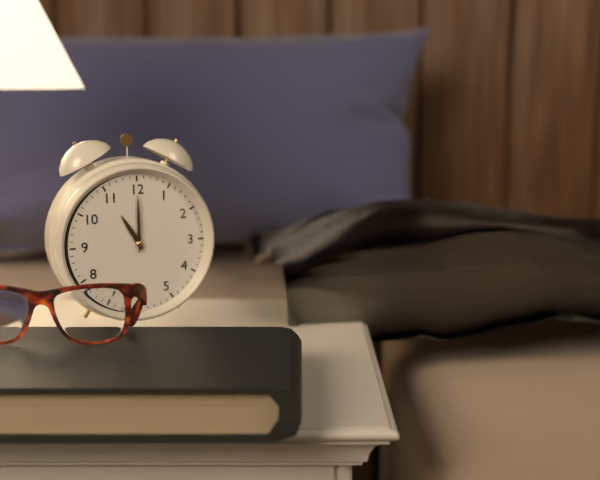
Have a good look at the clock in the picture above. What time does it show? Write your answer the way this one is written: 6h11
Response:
11h00
